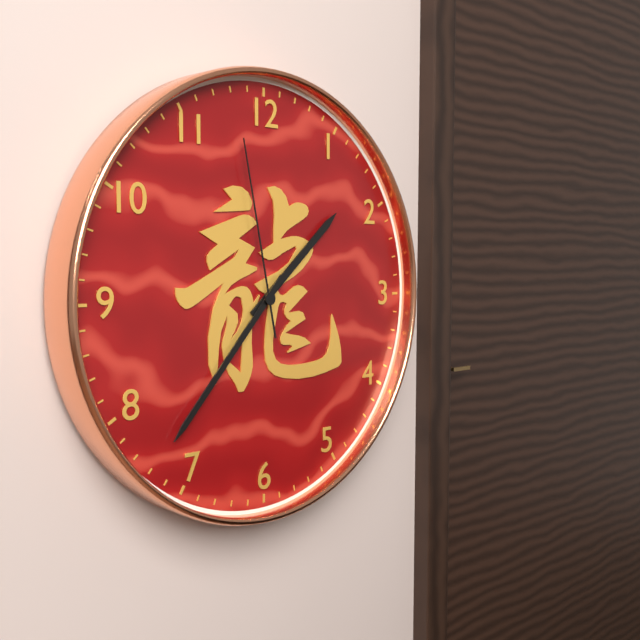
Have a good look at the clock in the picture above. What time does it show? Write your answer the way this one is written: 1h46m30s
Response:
1h37m58s
